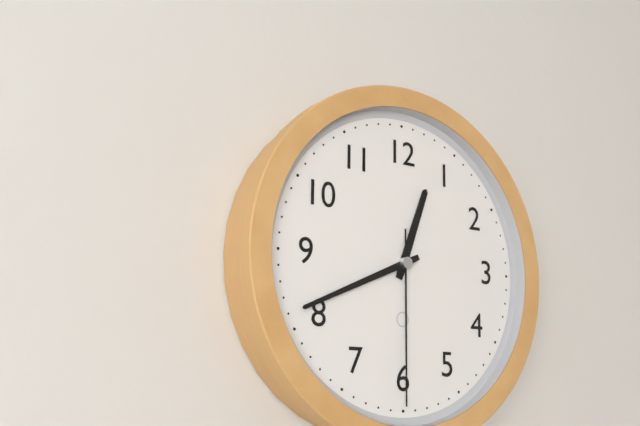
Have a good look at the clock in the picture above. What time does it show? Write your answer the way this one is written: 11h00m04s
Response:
12h41m30s
